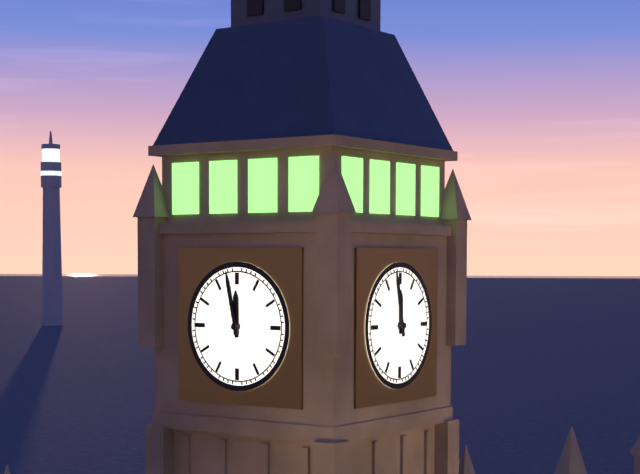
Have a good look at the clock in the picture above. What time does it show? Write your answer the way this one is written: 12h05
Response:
11h58
